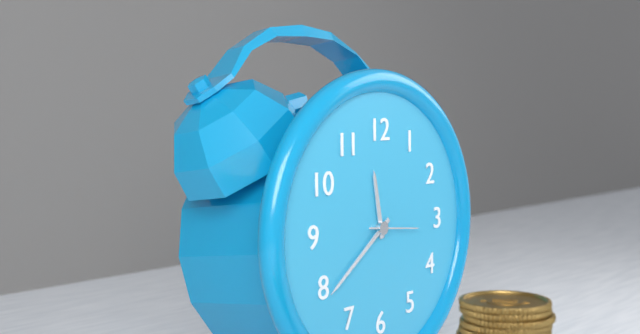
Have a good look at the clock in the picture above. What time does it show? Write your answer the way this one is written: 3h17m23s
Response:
11h39m16s
